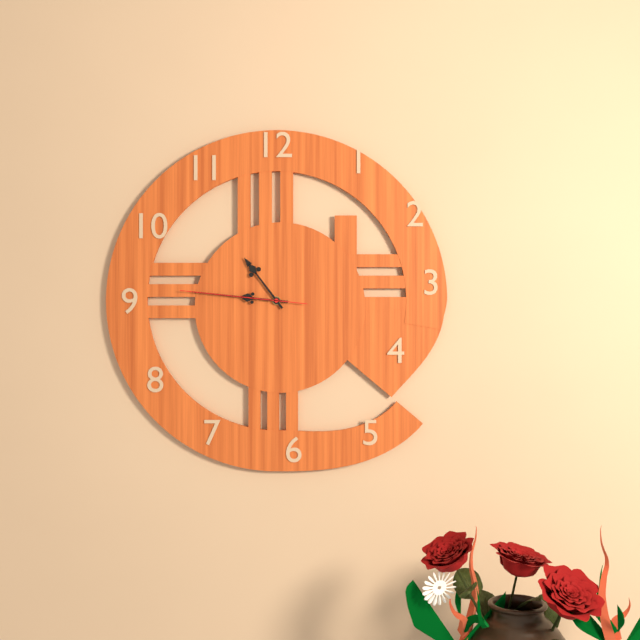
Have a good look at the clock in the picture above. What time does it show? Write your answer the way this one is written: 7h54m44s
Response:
10h46m46s
